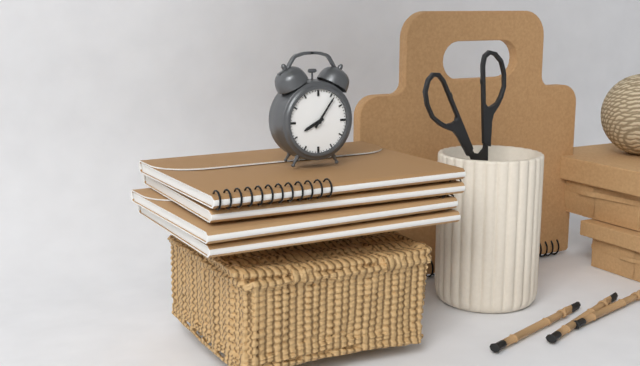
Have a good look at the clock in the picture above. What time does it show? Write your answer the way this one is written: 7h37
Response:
8h06
